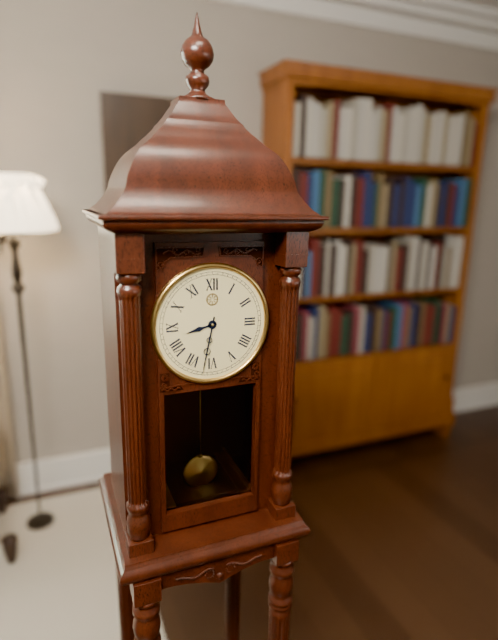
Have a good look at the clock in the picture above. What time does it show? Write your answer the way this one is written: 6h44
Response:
8h32
